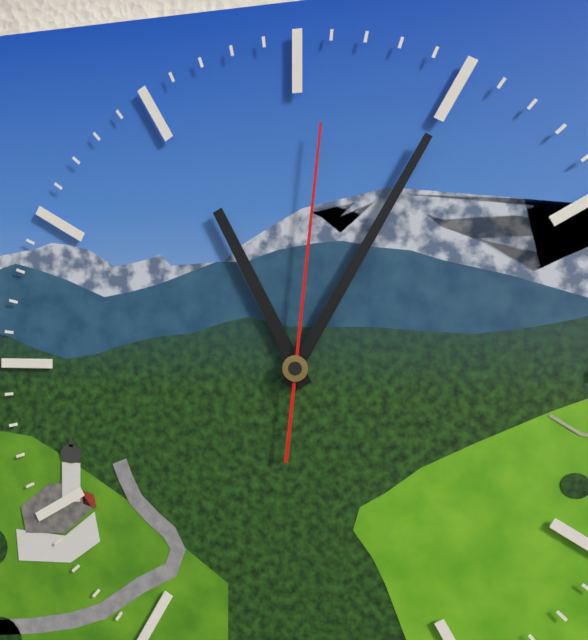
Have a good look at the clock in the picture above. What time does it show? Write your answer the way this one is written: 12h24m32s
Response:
11h05m01s
